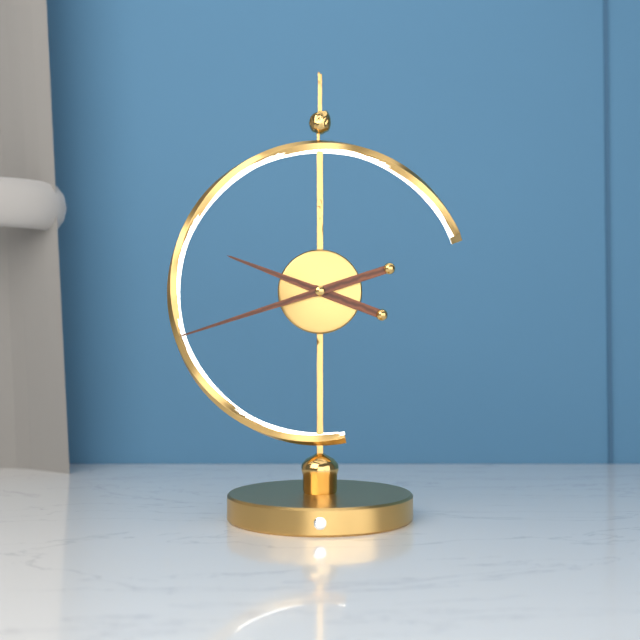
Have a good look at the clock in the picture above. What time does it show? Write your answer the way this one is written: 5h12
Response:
9h42
